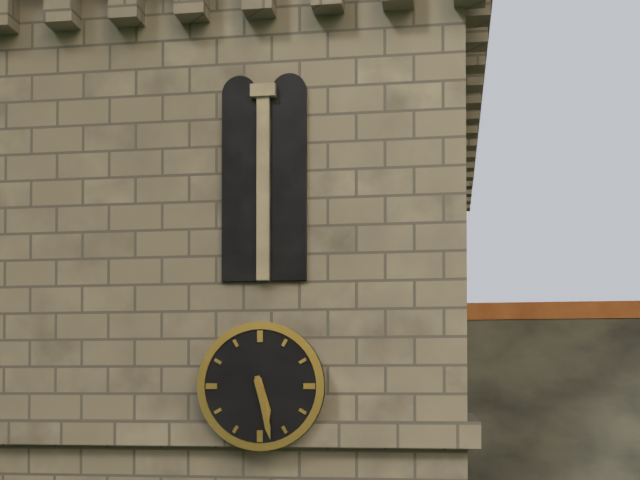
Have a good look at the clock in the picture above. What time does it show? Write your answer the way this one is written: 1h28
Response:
5h28
